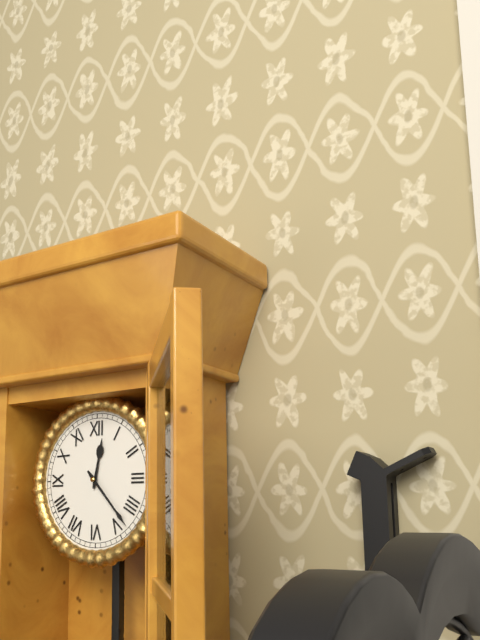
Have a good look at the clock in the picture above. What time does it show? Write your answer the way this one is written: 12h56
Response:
12h23
